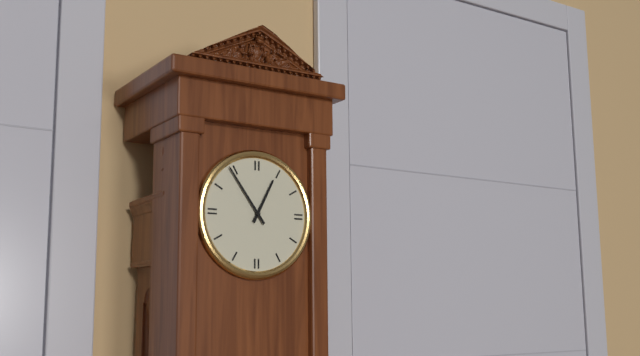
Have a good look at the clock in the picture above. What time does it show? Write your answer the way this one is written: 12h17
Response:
12h54
